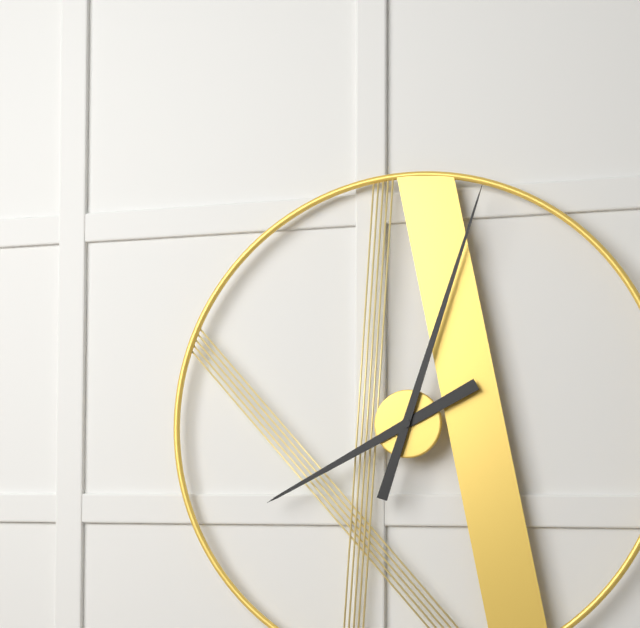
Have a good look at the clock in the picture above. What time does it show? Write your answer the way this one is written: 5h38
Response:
8h03
